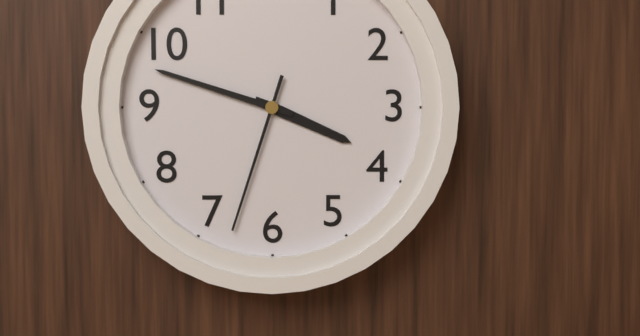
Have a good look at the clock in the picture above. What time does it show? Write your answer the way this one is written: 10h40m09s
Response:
3h48m33s
